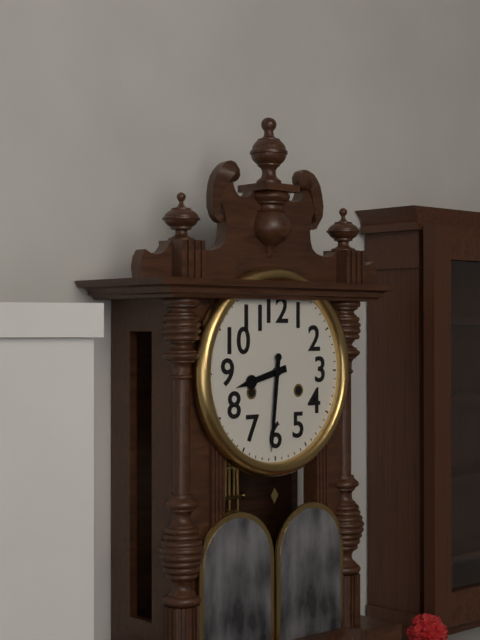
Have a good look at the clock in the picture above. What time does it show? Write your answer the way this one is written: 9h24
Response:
8h31
